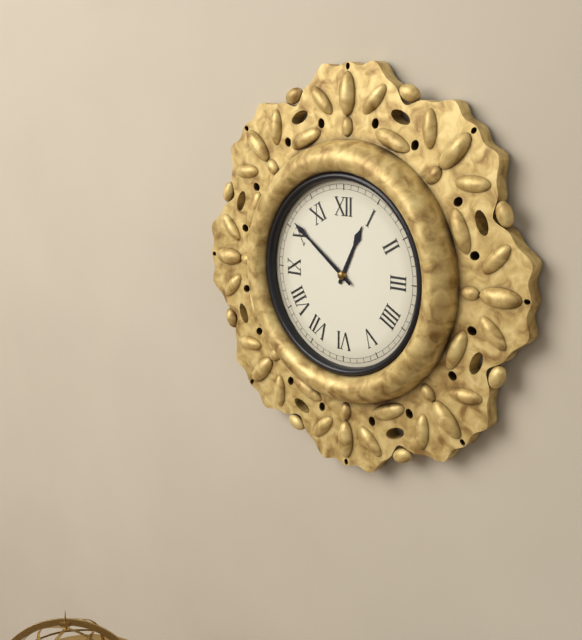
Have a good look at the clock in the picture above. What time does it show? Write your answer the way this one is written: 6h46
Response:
12h51
